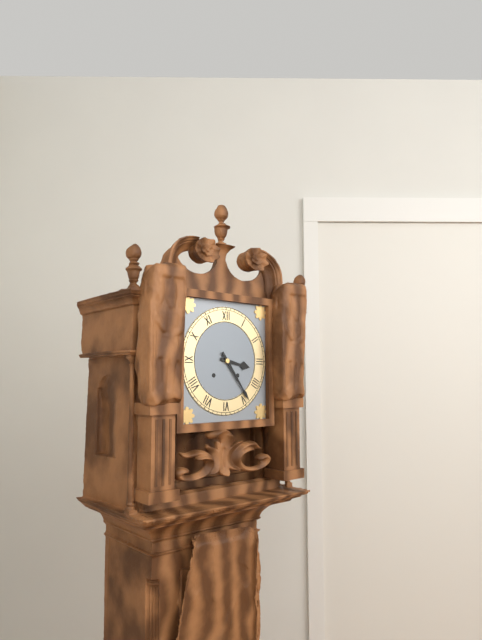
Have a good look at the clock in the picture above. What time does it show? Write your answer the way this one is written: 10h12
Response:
3h24
